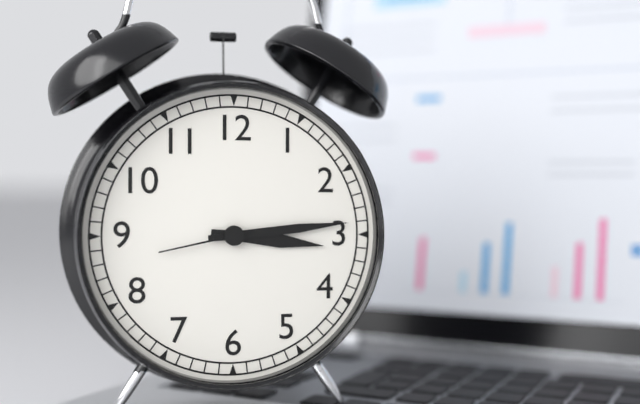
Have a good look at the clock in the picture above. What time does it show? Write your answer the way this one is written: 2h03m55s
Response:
3h14m43s
